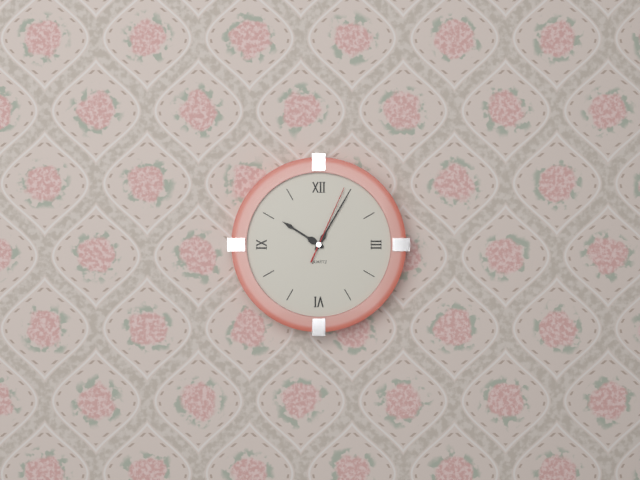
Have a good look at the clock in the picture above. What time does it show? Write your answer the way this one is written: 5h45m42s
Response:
10h05m04s
